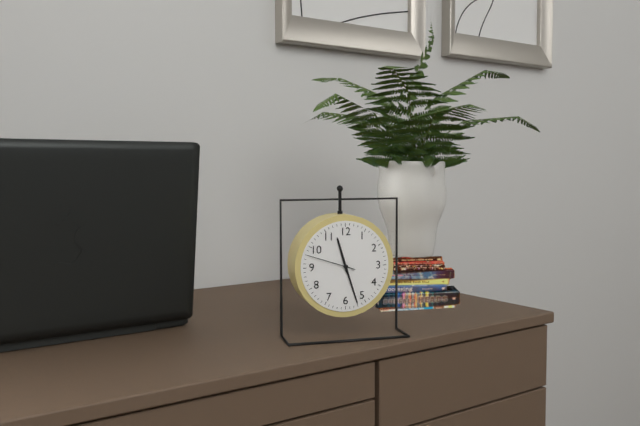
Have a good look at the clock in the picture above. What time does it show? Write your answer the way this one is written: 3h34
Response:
11h27
